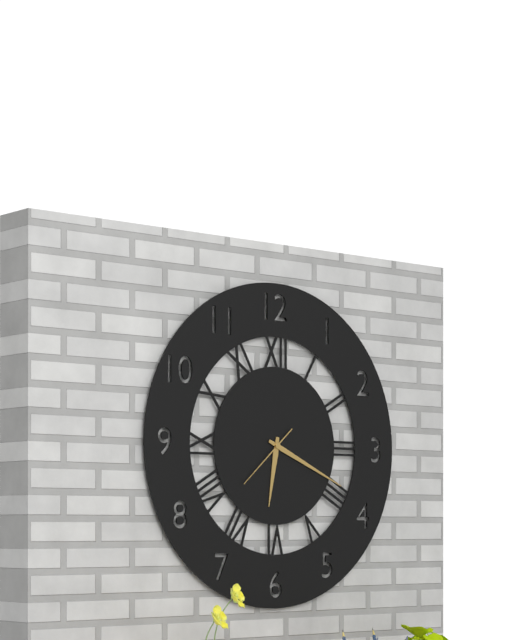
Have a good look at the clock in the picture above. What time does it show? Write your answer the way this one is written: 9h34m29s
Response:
6h19m38s
